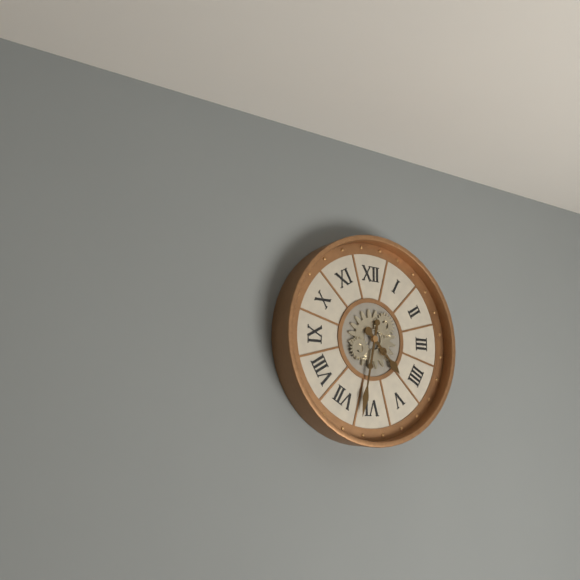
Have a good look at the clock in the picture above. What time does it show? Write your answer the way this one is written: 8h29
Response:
4h32
